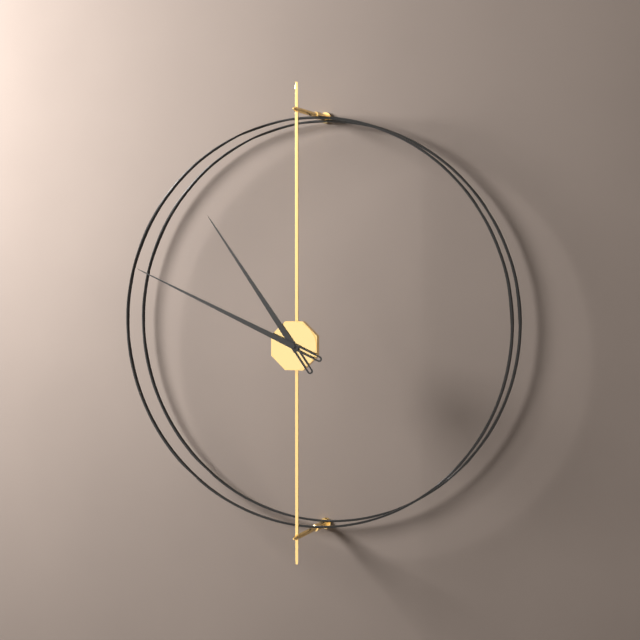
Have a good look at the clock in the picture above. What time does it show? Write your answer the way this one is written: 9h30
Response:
10h49
